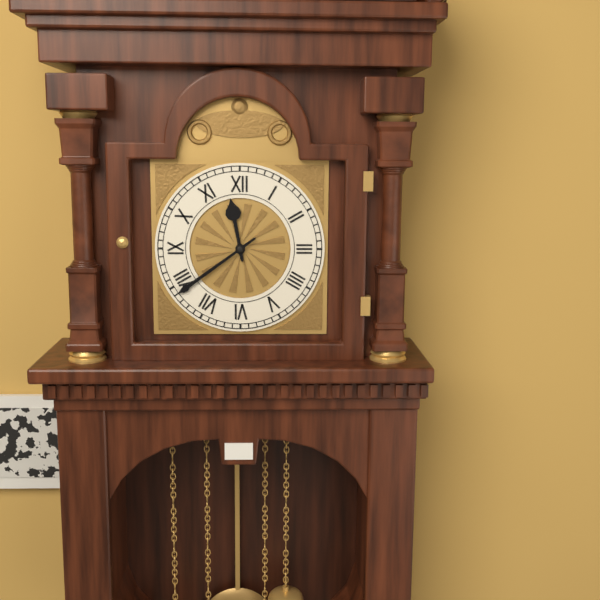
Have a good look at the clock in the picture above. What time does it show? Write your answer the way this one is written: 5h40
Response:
11h39
